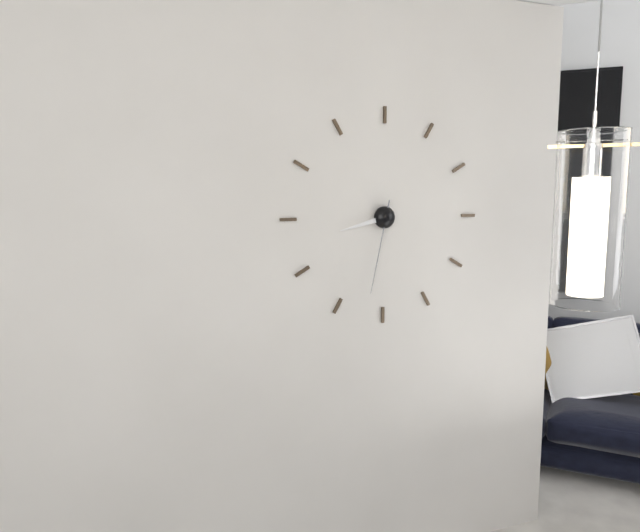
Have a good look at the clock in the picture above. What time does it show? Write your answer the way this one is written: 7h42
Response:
8h32
